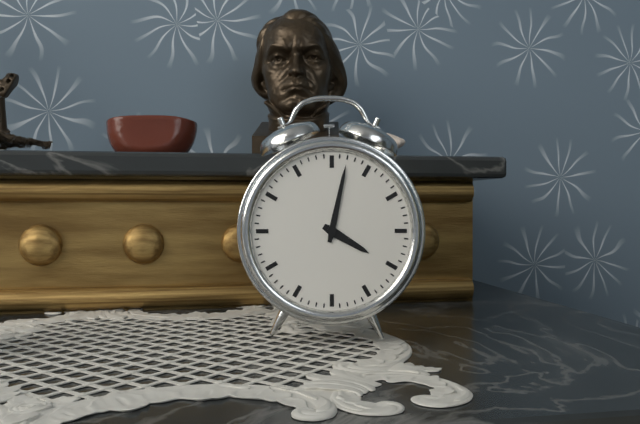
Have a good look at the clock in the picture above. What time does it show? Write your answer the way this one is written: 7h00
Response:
4h02
